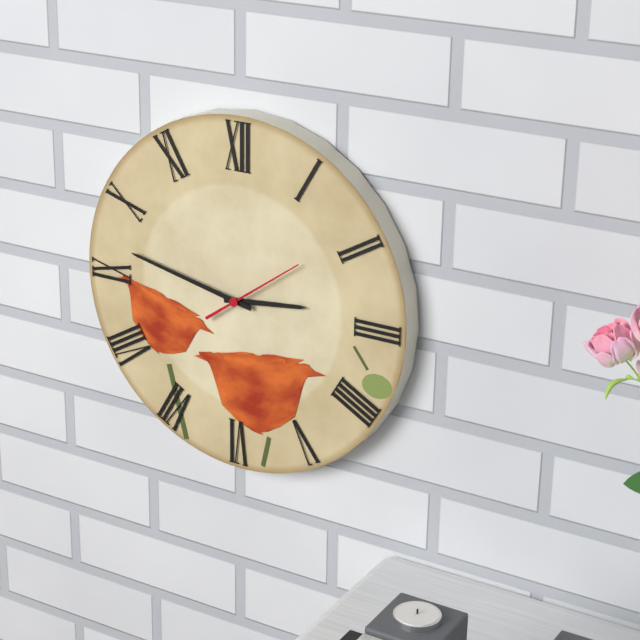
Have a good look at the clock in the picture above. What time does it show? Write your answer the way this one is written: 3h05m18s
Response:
2h47m09s
